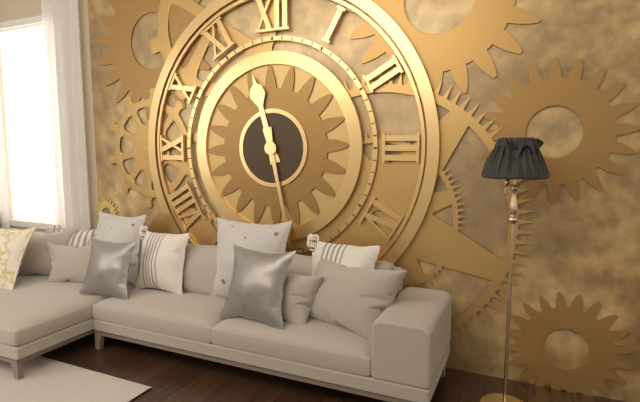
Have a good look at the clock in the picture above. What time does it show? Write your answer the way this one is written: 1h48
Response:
11h28
